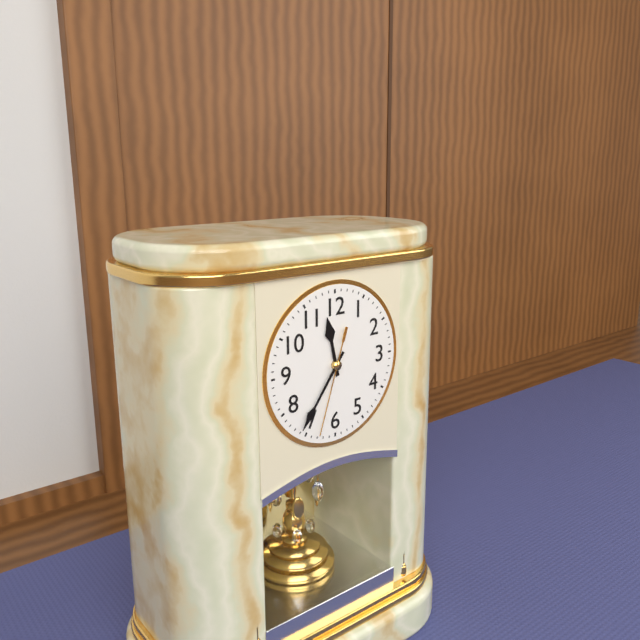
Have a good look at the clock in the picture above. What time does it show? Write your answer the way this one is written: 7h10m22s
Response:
11h36m33s
